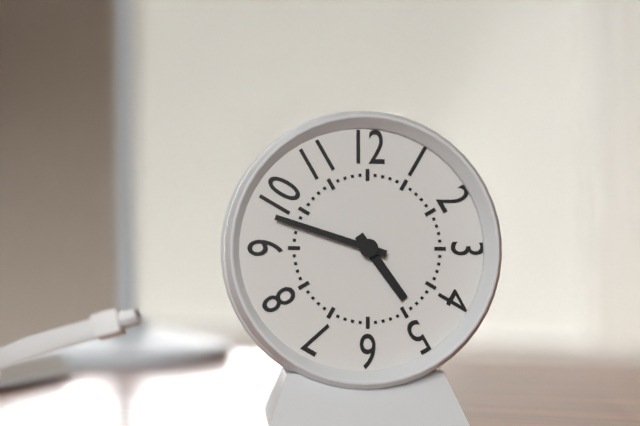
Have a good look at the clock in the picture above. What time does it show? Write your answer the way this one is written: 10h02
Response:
4h48
